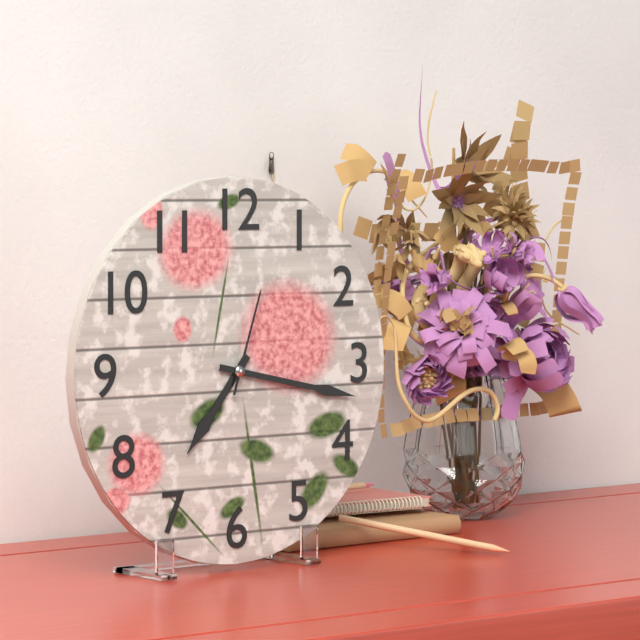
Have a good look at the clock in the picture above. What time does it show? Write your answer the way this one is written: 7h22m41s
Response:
7h17m03s
